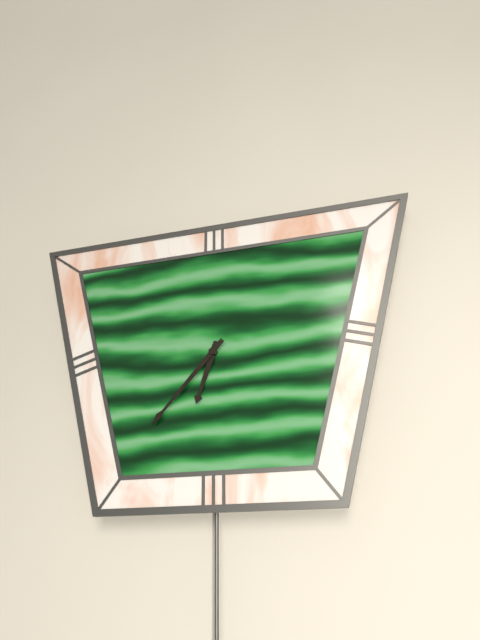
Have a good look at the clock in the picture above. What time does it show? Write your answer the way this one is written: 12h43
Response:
6h37
